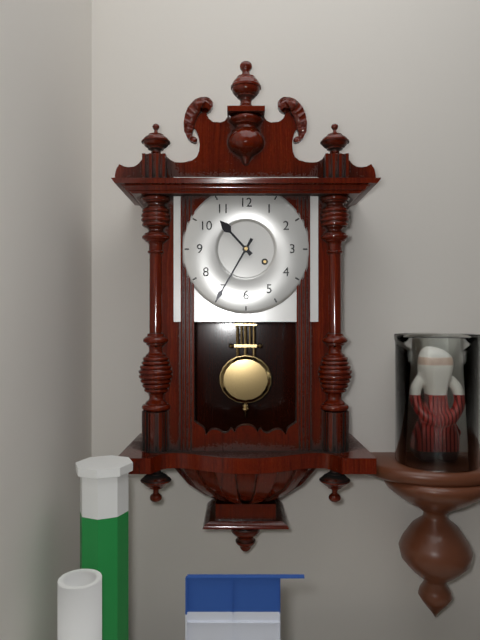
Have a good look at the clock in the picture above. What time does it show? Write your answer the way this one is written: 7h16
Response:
10h35
